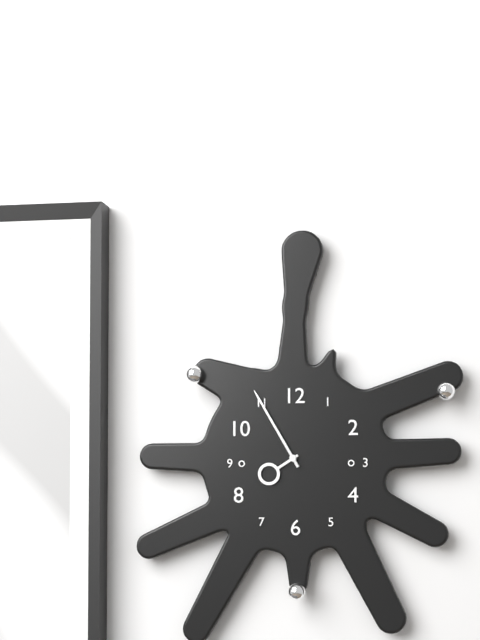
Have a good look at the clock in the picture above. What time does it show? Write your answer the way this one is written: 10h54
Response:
7h55
